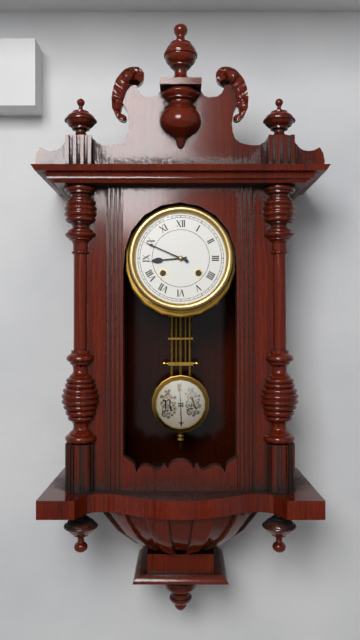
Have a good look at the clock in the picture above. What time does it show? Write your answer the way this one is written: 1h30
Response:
8h49
